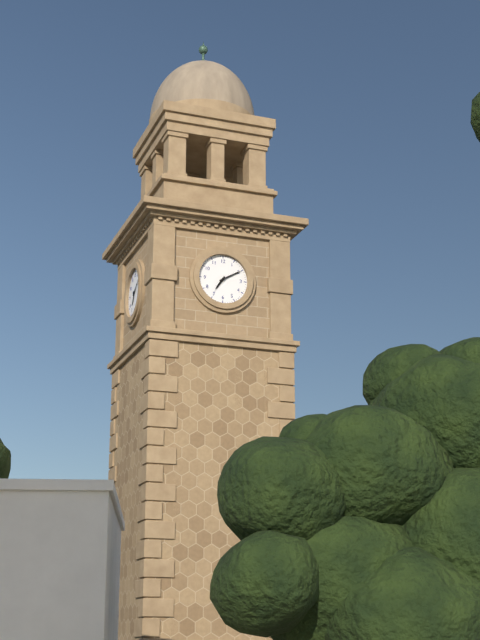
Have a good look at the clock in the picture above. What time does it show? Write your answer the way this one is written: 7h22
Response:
7h10
